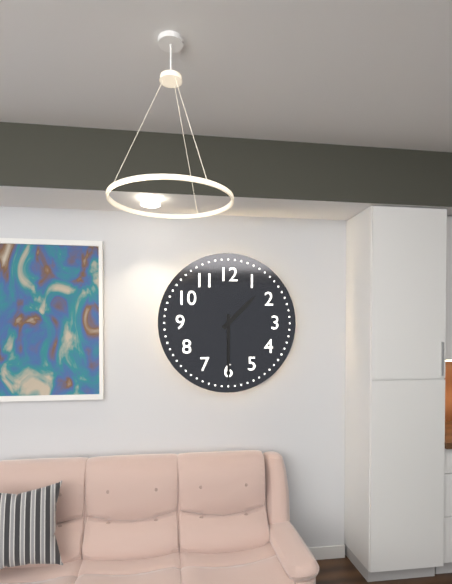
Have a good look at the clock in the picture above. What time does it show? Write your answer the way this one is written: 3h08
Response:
1h30
